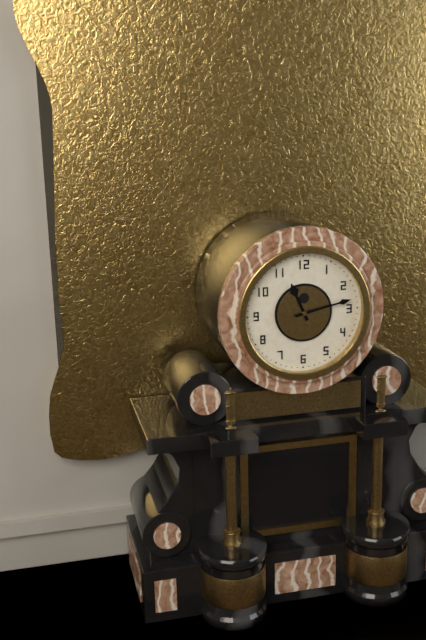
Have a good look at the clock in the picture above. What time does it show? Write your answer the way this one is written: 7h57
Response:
11h13
